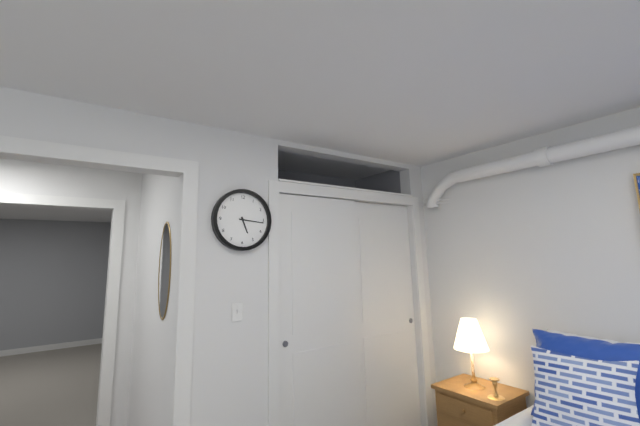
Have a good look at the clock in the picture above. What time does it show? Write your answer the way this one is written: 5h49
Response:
5h16
